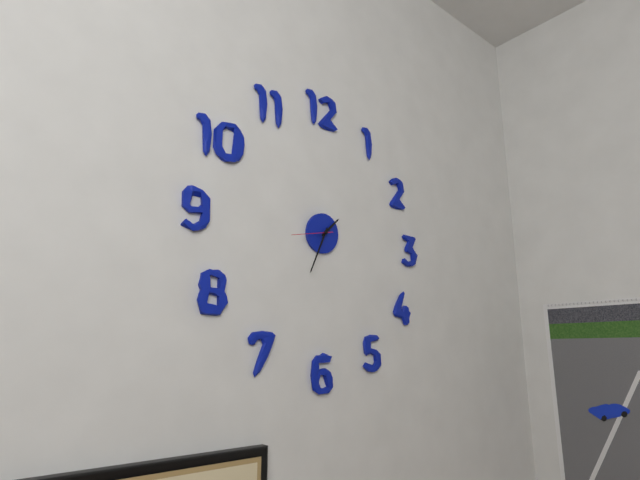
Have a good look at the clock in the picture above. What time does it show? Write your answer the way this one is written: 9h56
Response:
1h34
